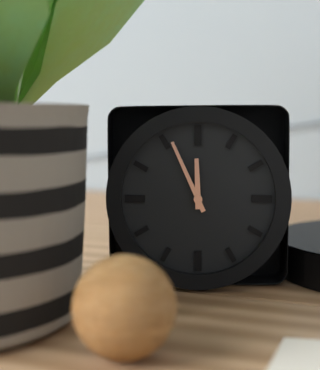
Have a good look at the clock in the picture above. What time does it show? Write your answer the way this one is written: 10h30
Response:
11h56
